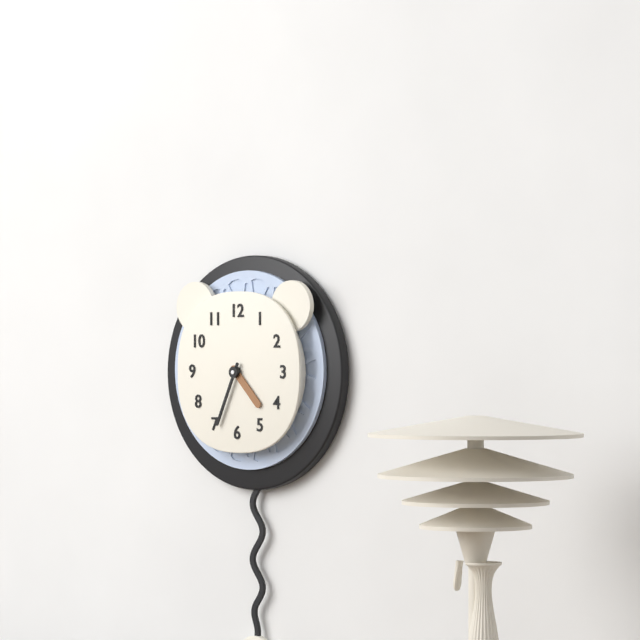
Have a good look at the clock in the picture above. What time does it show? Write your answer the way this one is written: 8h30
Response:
4h34
